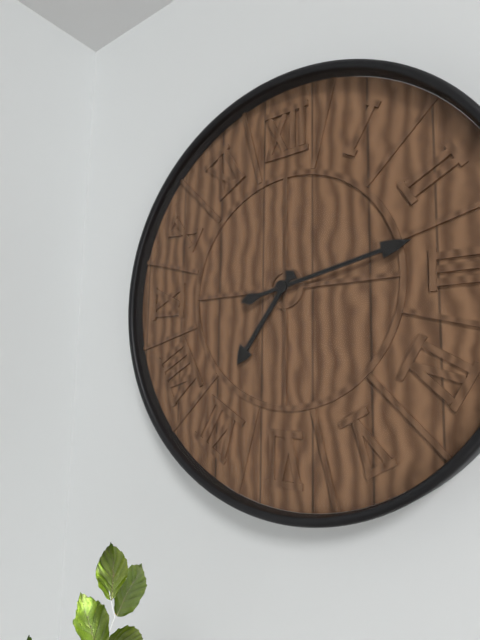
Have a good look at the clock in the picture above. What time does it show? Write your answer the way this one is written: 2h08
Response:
7h13
